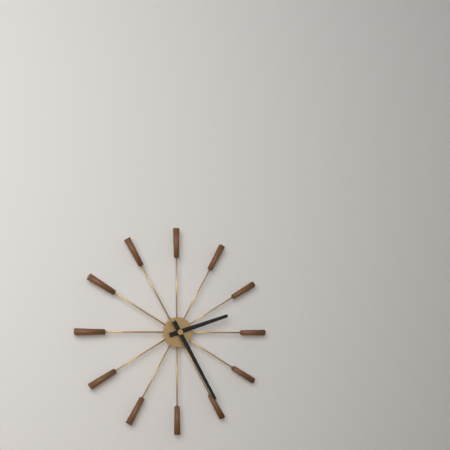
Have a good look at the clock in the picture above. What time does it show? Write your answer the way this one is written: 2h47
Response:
2h25
